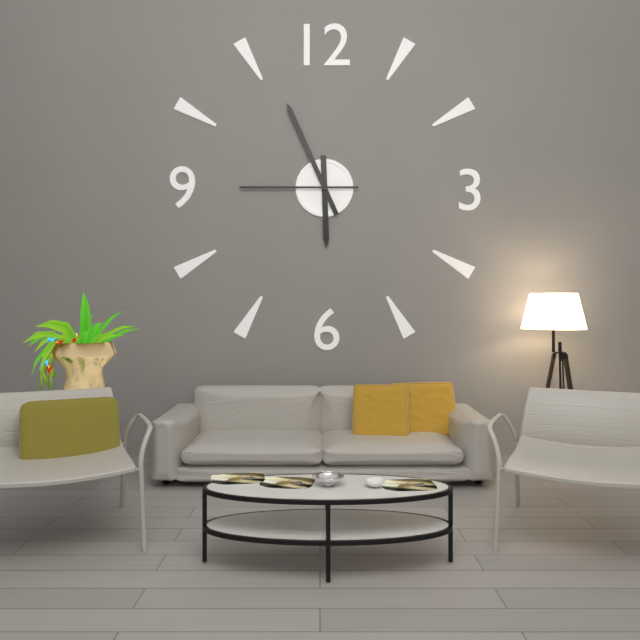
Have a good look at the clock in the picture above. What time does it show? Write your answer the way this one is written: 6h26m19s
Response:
5h56m45s
